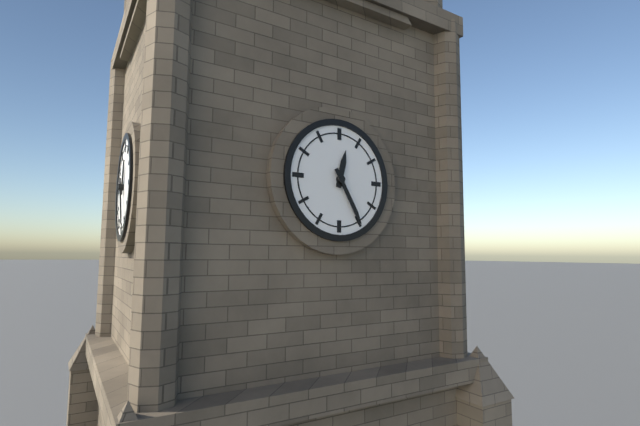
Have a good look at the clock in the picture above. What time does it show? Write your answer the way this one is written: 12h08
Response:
12h25
